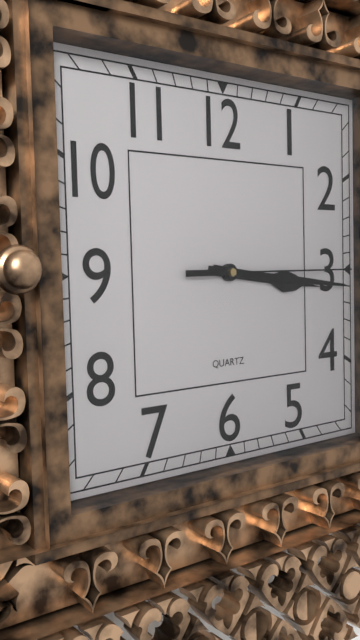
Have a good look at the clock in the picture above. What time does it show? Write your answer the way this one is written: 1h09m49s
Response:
3h16m15s
